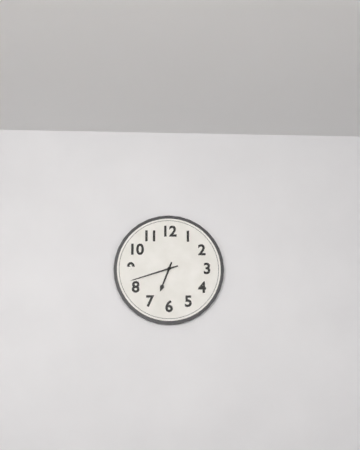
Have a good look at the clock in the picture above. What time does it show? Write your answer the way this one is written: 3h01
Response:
6h42
